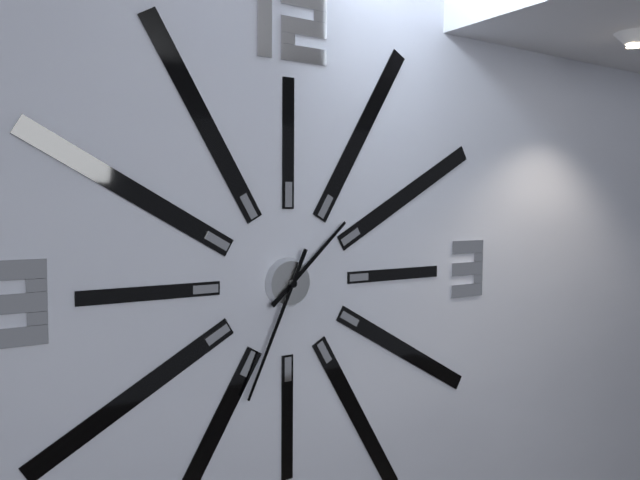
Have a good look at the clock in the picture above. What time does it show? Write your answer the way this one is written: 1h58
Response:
1h34
